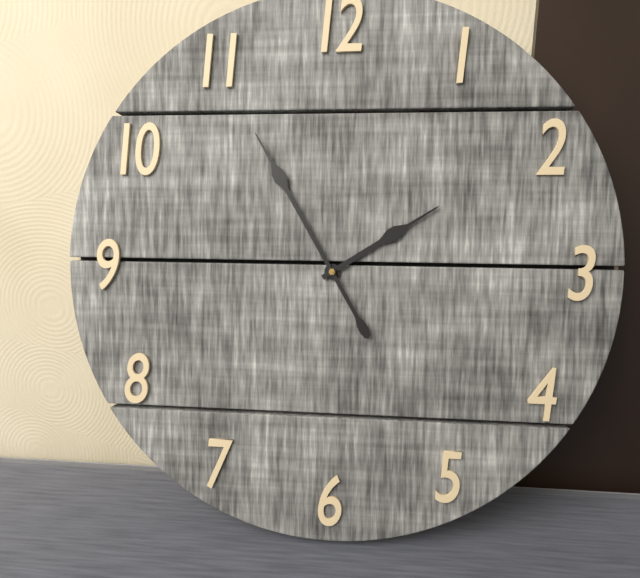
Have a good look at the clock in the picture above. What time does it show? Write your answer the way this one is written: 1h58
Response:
1h55
